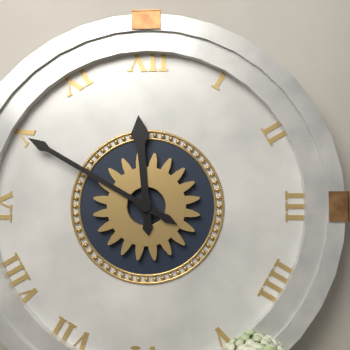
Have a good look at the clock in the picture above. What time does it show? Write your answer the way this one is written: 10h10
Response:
11h50
